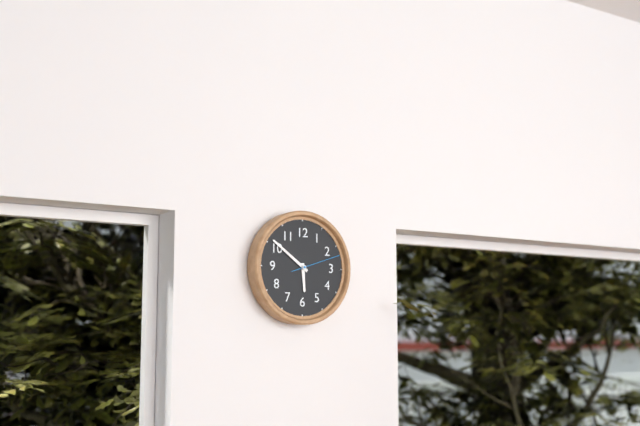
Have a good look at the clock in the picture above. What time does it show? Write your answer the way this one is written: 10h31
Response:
5h51
